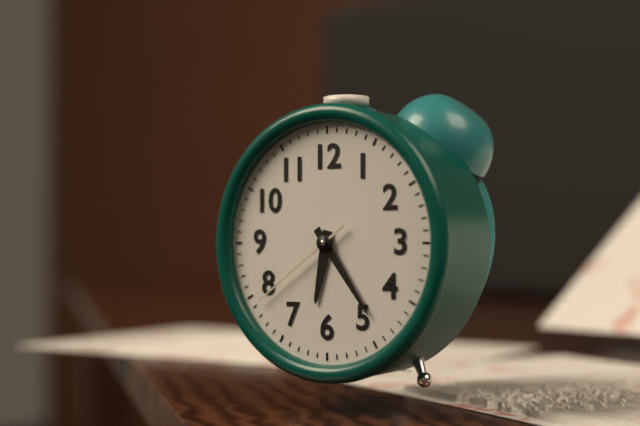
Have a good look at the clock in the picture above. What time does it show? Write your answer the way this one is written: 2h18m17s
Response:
6h24m39s
